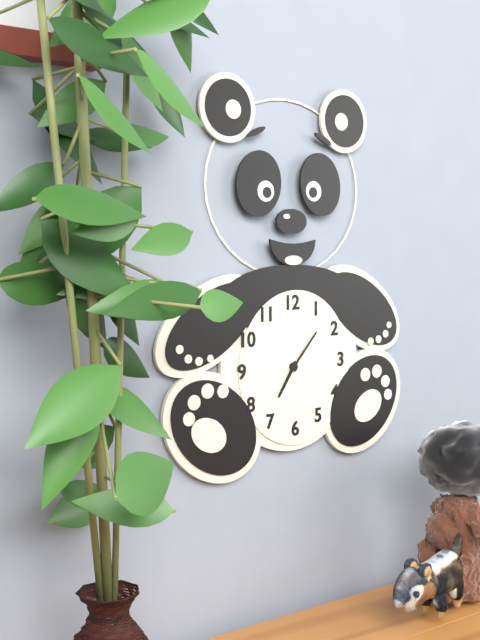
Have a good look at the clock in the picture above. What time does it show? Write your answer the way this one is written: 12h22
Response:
7h07
